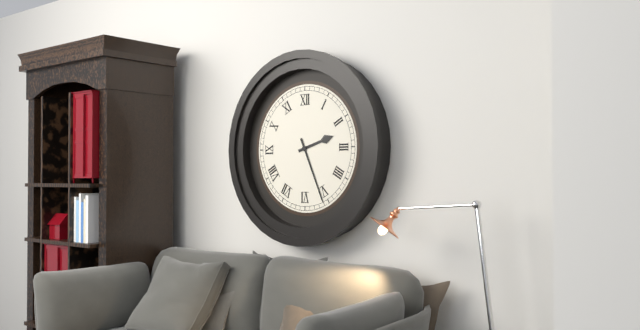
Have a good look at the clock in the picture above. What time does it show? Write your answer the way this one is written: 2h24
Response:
2h26
